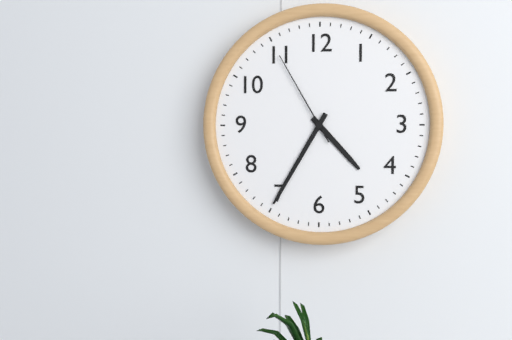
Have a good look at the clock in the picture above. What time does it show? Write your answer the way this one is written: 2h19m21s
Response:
4h35m55s
